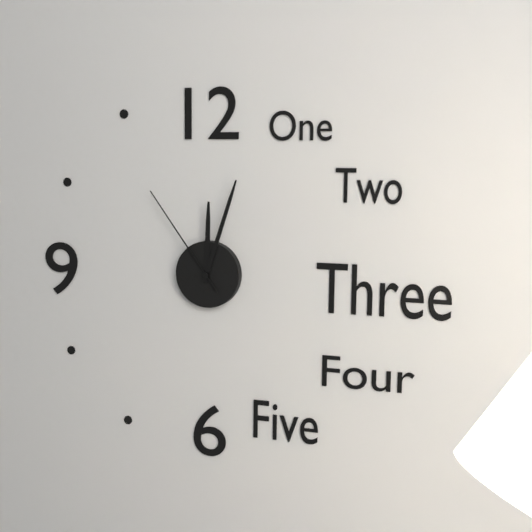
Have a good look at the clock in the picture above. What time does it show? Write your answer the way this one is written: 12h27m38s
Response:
12h03m54s
